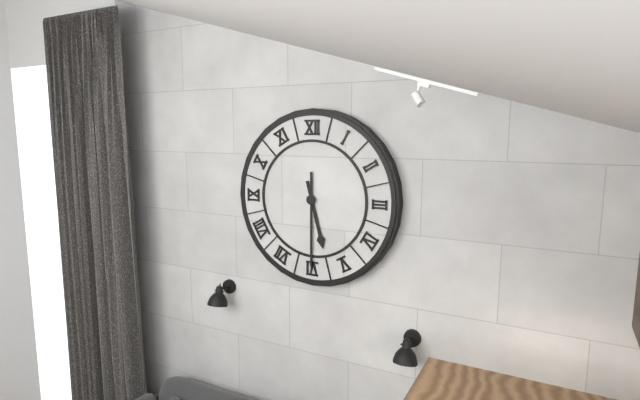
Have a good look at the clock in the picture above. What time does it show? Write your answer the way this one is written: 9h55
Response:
5h30
